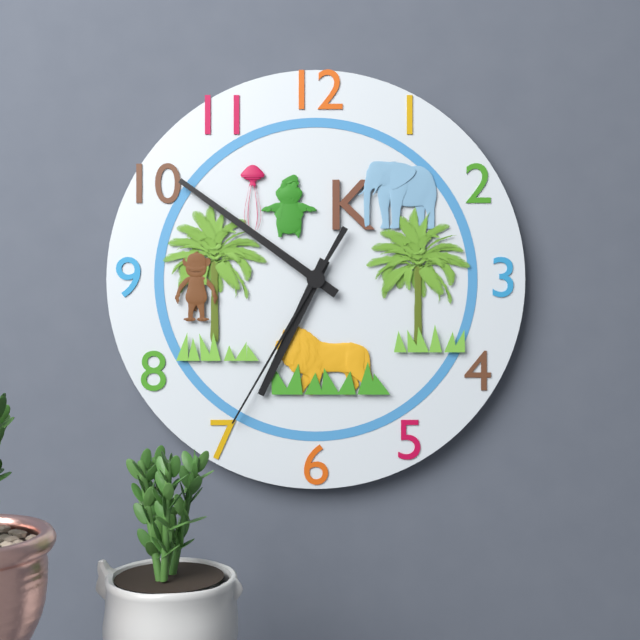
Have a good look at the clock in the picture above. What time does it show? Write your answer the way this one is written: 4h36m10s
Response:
6h51m35s
